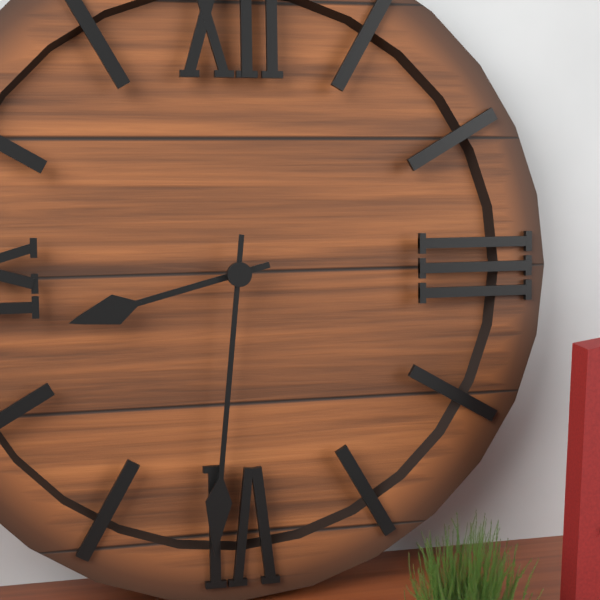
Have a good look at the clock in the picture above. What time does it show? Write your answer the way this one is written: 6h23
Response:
8h31
